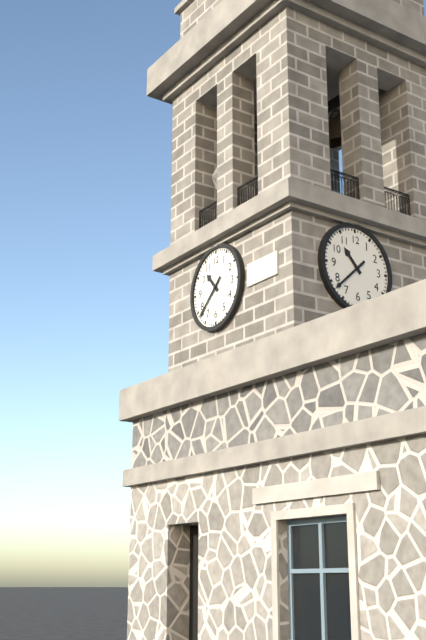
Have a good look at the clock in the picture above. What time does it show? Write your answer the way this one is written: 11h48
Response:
10h38
